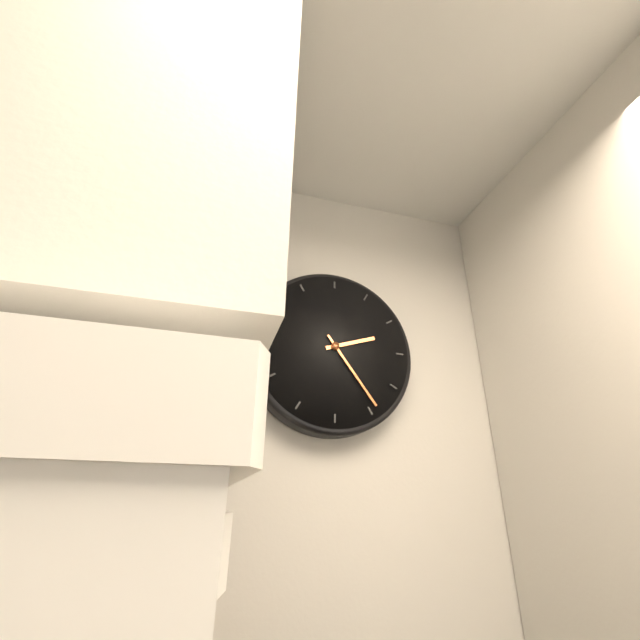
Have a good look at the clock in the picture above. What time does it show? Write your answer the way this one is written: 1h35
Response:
2h24
